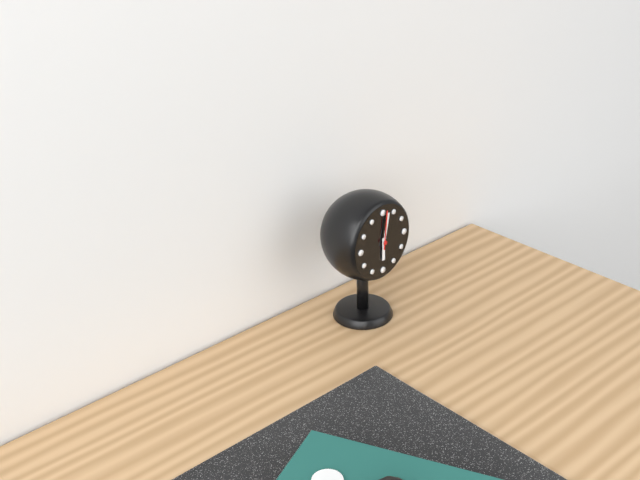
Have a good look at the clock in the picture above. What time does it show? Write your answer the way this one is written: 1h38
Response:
6h02
